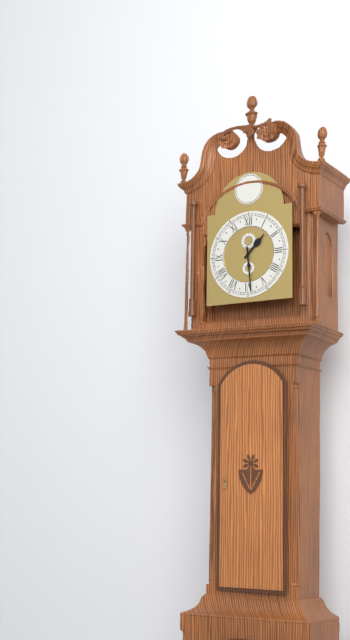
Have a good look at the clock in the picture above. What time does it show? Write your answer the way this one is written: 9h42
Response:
1h29
